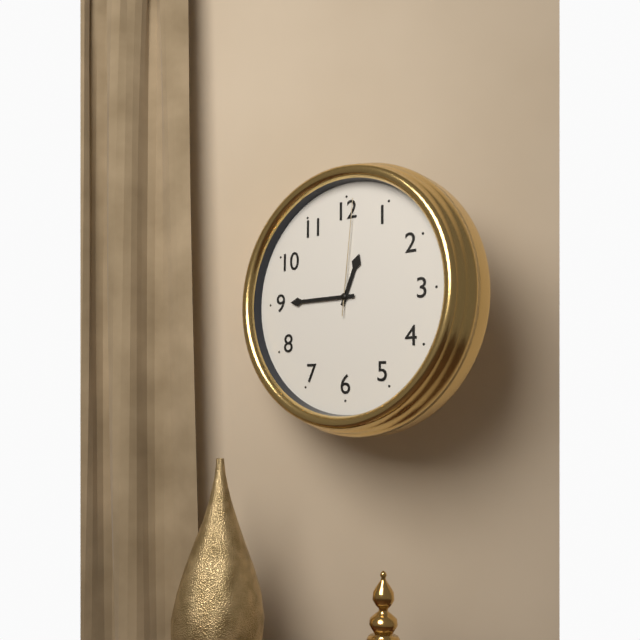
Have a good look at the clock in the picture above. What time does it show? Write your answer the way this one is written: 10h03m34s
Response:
12h45m01s
